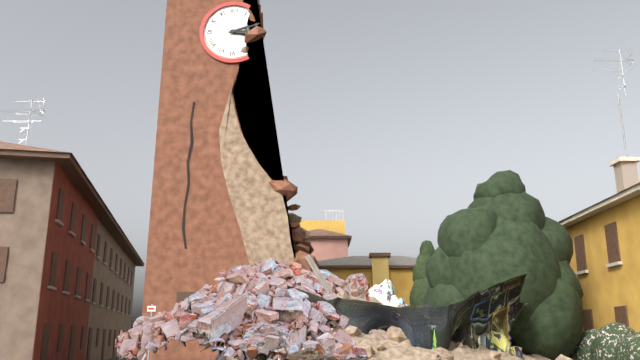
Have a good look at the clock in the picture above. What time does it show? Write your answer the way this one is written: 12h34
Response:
3h12
